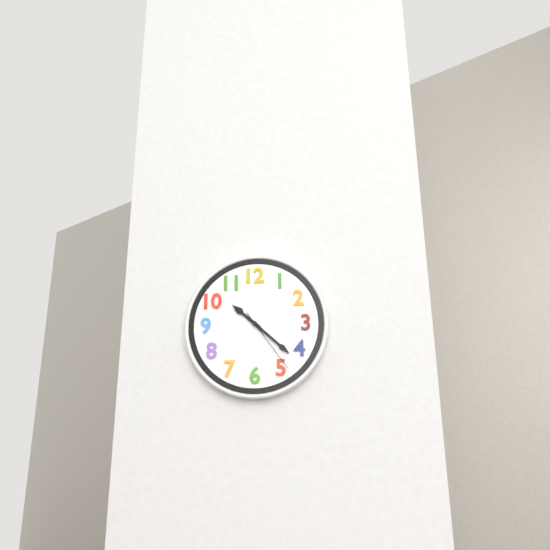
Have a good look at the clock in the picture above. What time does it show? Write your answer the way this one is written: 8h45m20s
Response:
10h22m24s
